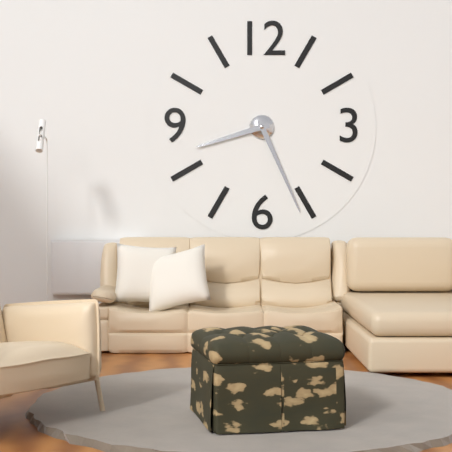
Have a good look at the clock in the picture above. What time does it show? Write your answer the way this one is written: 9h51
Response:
8h26
